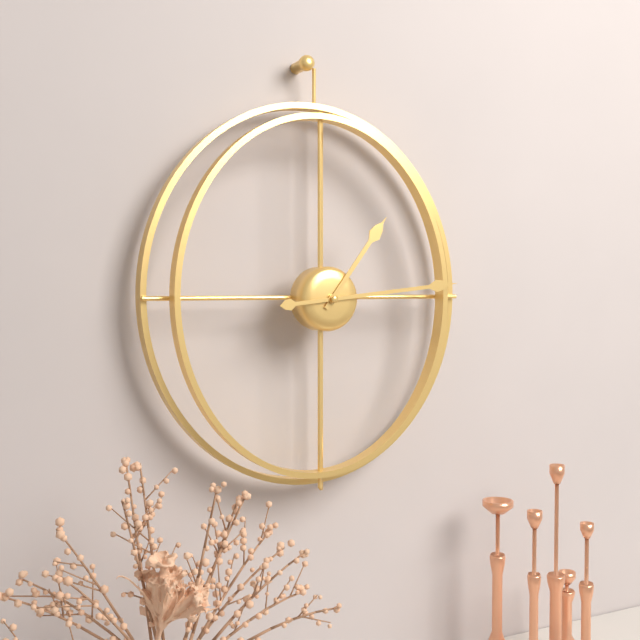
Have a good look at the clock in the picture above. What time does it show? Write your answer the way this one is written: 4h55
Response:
1h14
